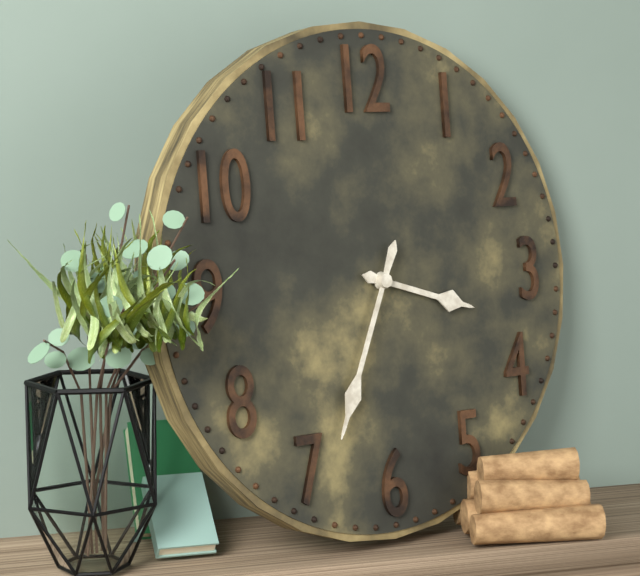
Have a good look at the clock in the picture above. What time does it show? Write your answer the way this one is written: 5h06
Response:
3h34
